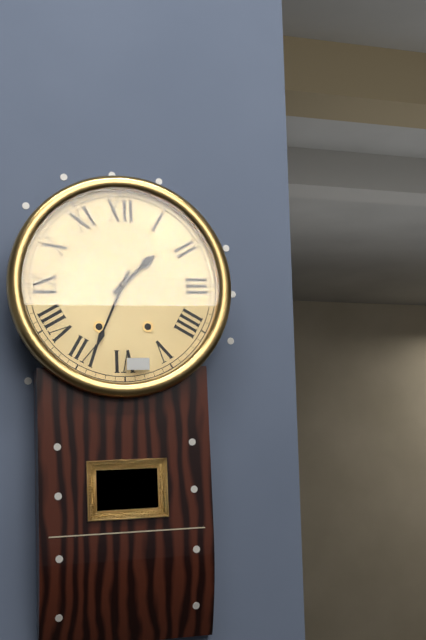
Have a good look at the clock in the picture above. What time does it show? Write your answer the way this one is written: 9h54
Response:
1h34
